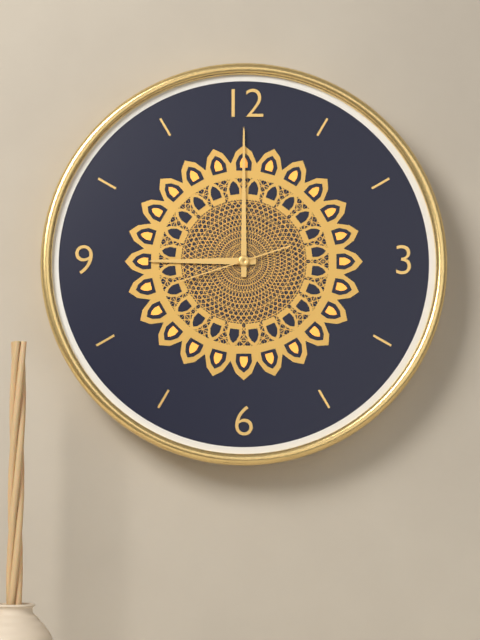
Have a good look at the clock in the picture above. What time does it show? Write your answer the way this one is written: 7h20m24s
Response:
9h00m42s
